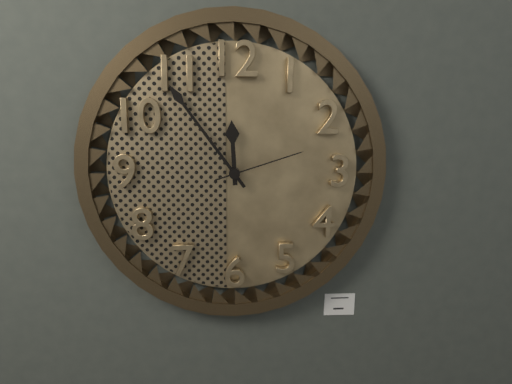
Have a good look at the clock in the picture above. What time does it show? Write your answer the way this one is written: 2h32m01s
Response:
11h54m12s
